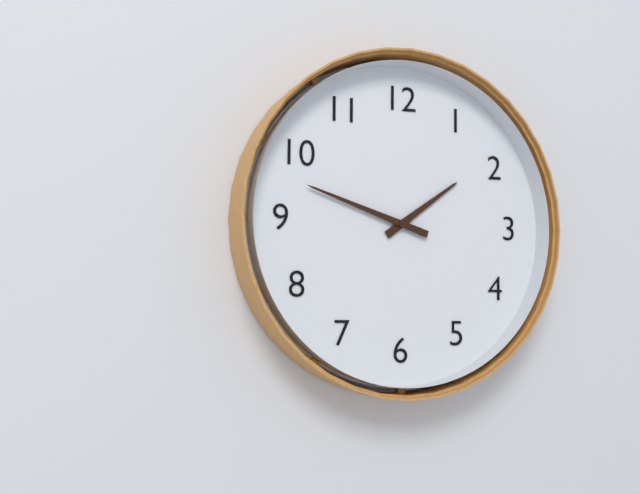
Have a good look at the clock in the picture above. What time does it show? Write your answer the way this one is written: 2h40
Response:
1h48
